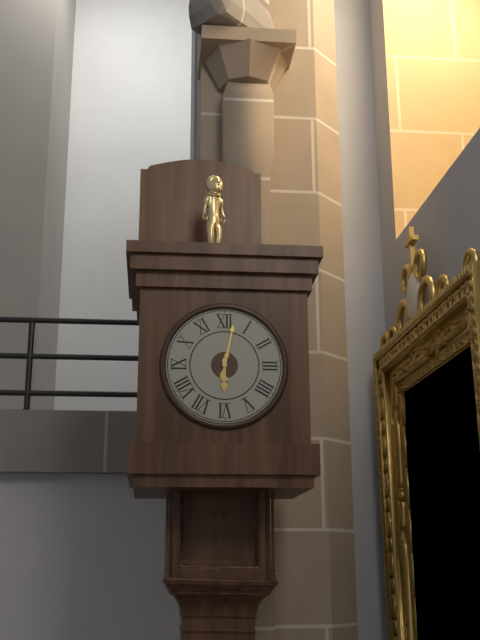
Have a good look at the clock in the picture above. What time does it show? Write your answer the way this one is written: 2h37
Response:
6h02
